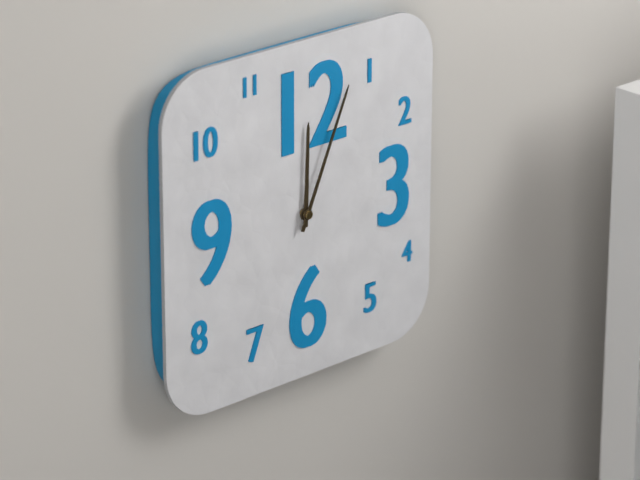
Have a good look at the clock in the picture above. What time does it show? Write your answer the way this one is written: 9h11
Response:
12h04
